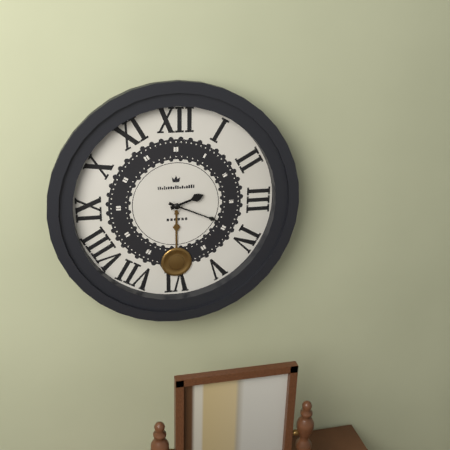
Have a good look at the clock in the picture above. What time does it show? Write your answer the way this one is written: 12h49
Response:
2h19
